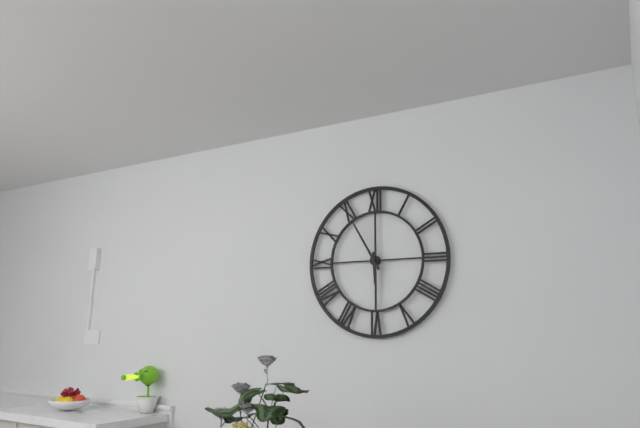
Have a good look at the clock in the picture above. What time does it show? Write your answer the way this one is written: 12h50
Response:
5h55
